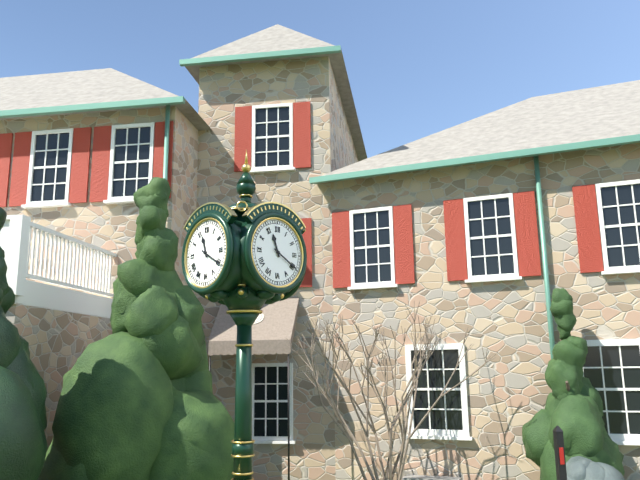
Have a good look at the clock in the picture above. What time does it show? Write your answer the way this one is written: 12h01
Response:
11h20
